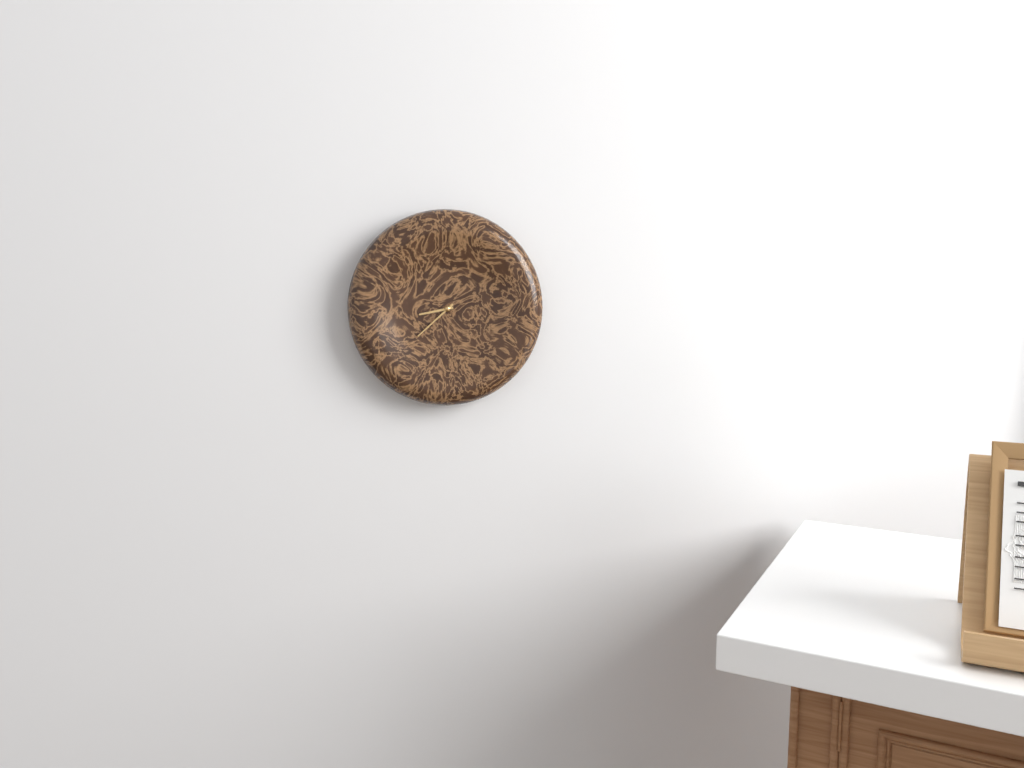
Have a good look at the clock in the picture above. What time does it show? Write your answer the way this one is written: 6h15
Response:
8h38
